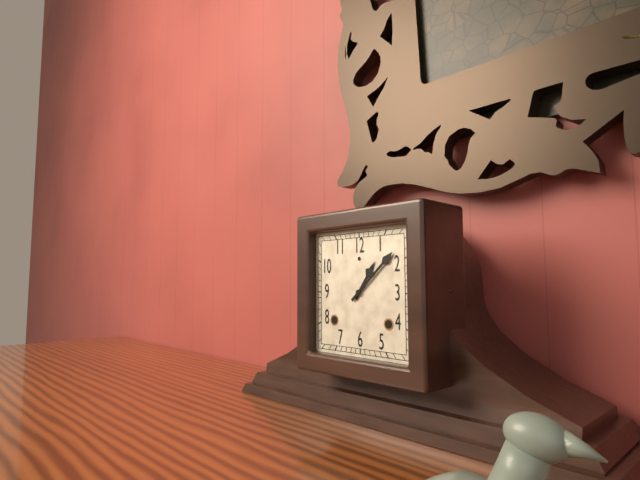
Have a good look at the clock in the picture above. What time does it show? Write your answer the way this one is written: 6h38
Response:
1h08
